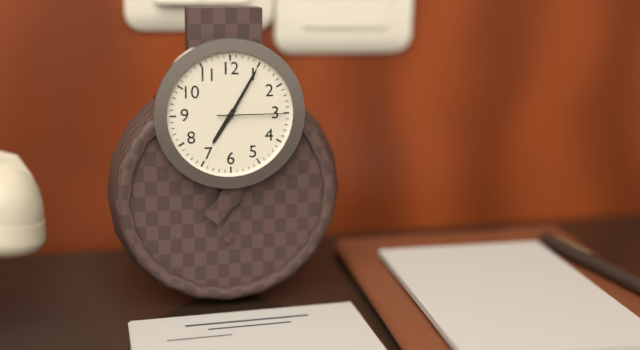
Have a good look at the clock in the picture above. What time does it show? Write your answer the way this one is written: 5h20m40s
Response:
7h05m15s
